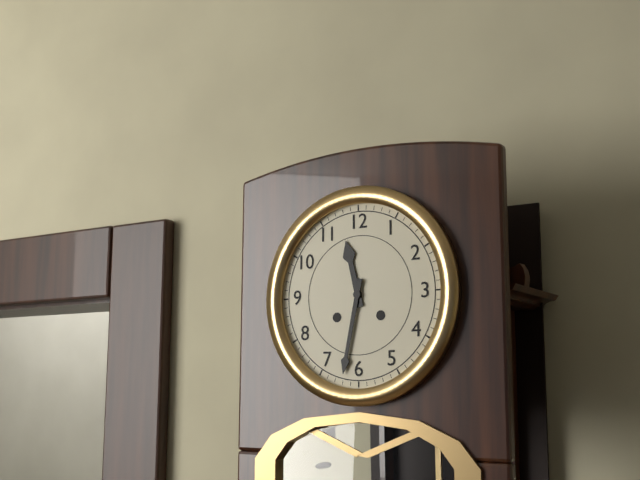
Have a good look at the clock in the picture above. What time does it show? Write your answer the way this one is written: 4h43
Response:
11h32
